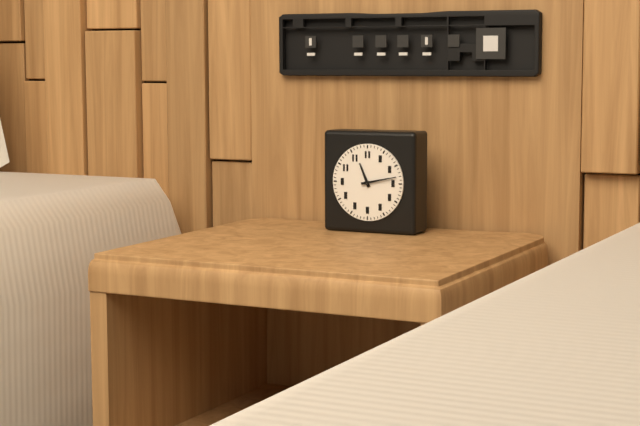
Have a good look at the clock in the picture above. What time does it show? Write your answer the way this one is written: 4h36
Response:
11h13
